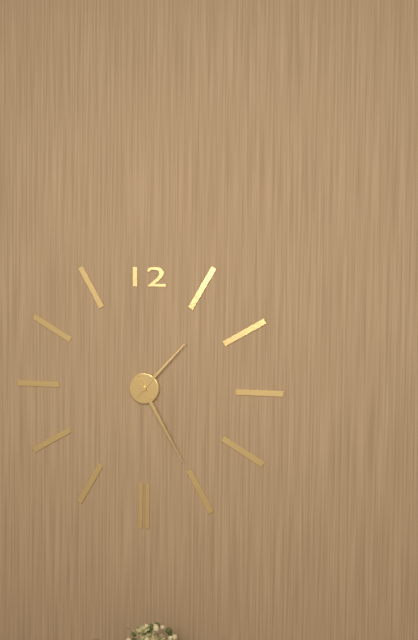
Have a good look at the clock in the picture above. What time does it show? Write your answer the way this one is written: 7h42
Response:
1h25
